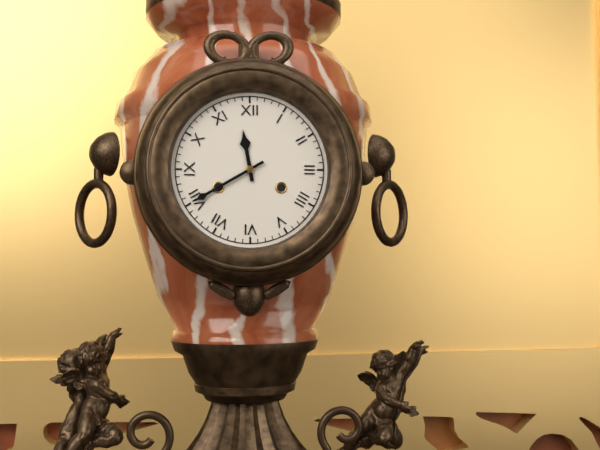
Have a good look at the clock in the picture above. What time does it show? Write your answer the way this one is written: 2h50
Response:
11h40
